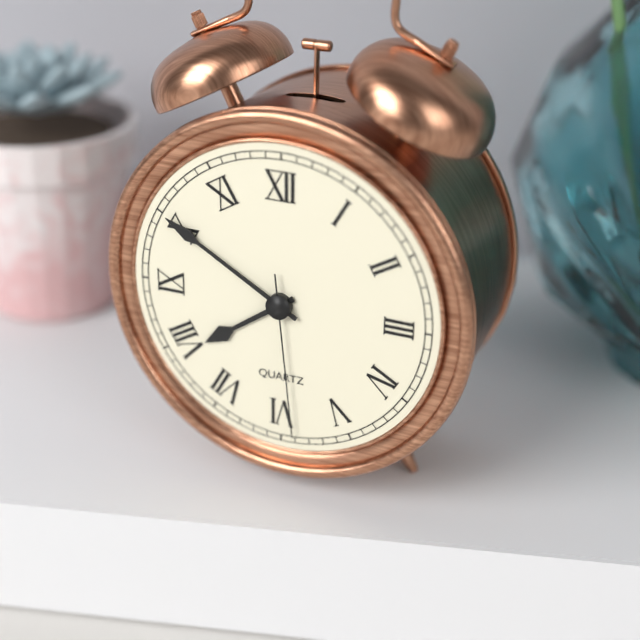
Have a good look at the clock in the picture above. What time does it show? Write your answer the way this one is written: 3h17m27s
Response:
7h50m29s
